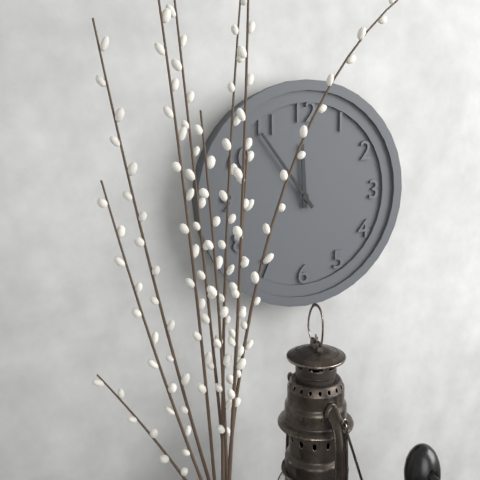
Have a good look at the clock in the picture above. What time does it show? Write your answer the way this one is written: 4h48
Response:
11h54
